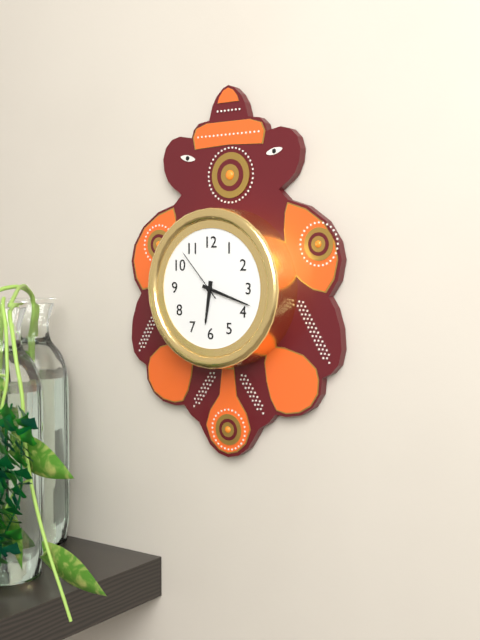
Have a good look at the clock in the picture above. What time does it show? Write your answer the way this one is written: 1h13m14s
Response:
6h18m53s
